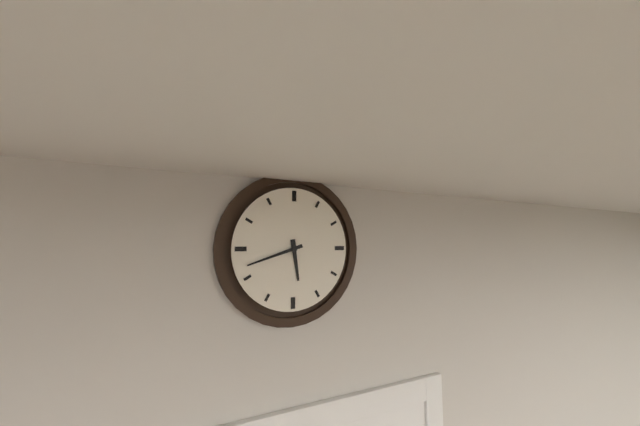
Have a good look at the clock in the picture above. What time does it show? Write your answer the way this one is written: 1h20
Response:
5h42
